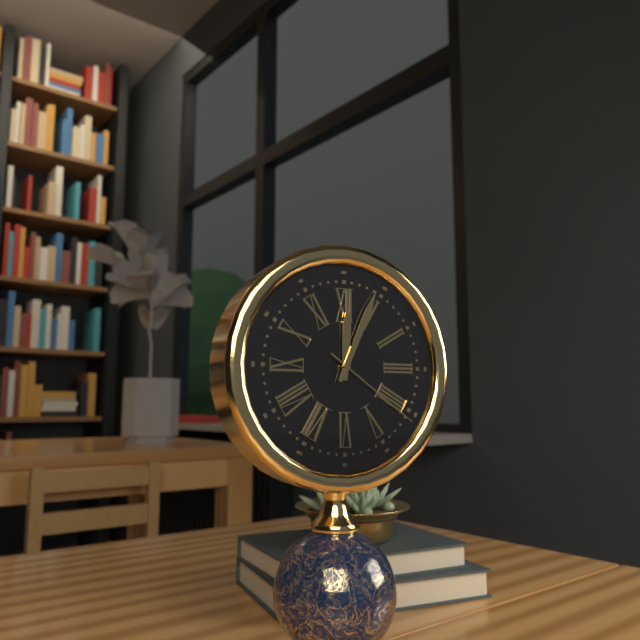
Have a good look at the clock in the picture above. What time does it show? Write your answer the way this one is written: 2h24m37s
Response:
12h04m21s
